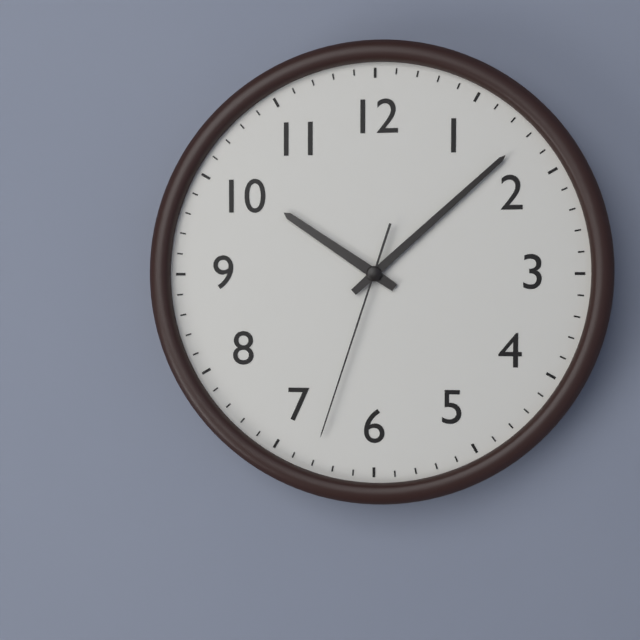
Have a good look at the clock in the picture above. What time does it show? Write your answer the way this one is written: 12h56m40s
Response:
10h08m33s
